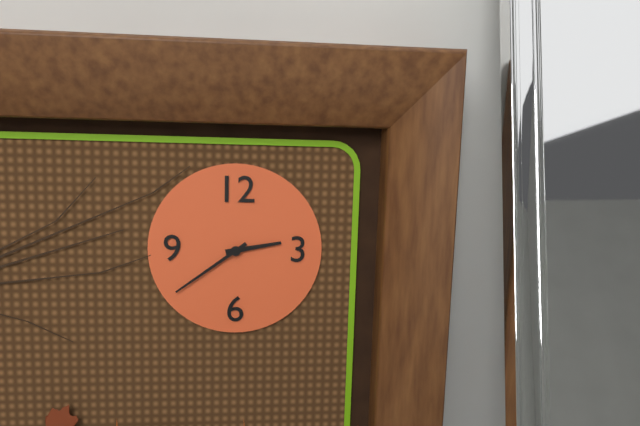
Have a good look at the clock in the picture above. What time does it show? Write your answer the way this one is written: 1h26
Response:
2h39
